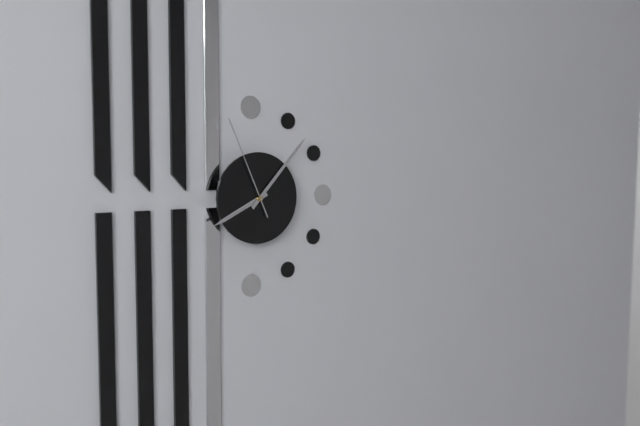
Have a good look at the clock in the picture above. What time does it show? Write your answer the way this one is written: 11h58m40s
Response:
8h07m56s
